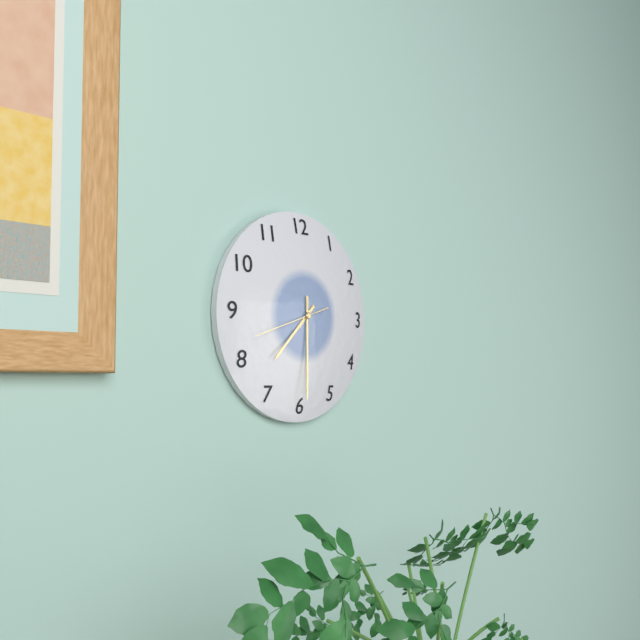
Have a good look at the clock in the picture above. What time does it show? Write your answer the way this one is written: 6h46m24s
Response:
7h30m42s
